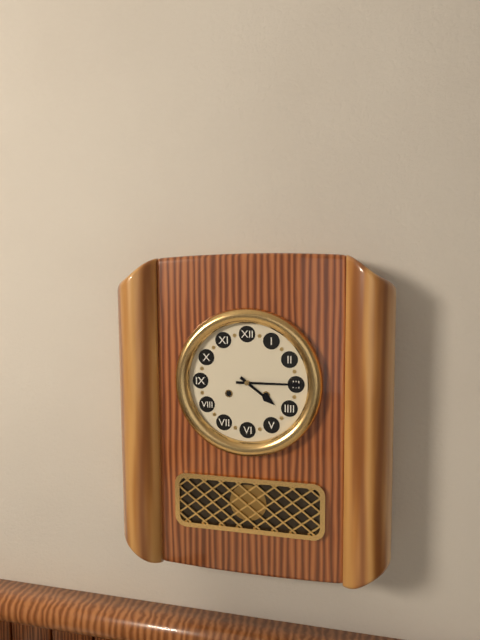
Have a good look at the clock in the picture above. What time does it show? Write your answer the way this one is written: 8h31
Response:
4h15
